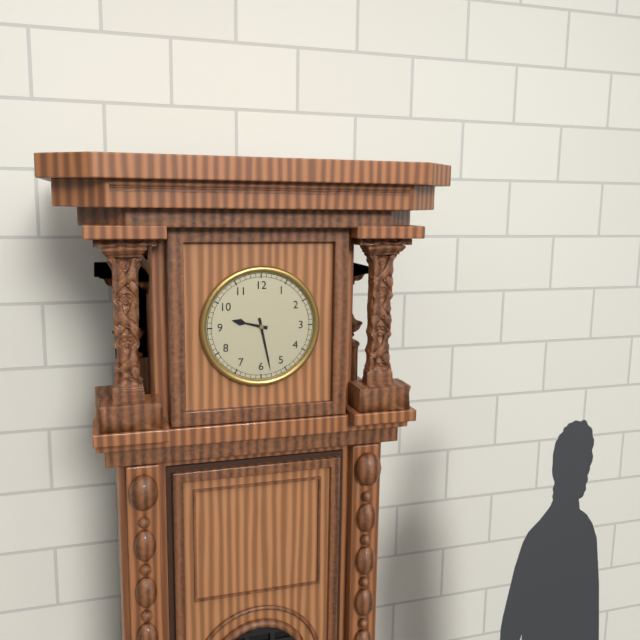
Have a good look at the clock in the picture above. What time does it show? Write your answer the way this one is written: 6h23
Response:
9h28
